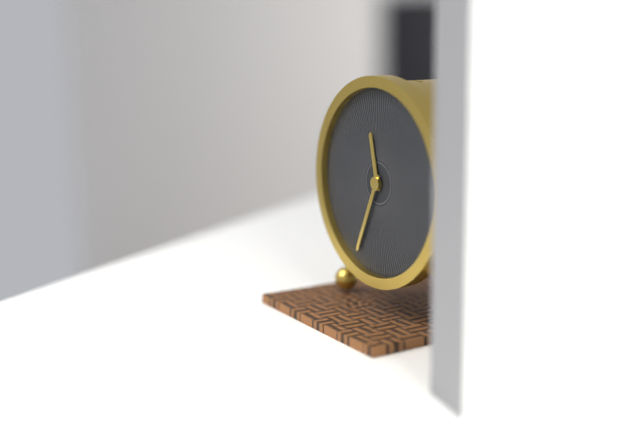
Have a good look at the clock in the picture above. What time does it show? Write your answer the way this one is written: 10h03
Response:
11h34
